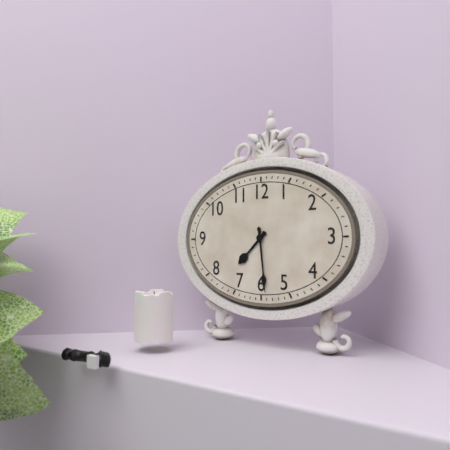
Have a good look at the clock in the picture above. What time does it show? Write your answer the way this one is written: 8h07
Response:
7h29
